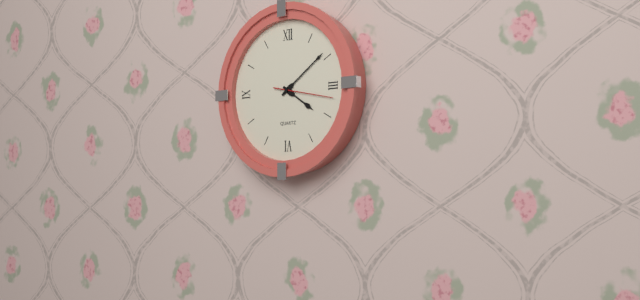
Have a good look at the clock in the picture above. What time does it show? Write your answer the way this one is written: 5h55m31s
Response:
4h09m17s
